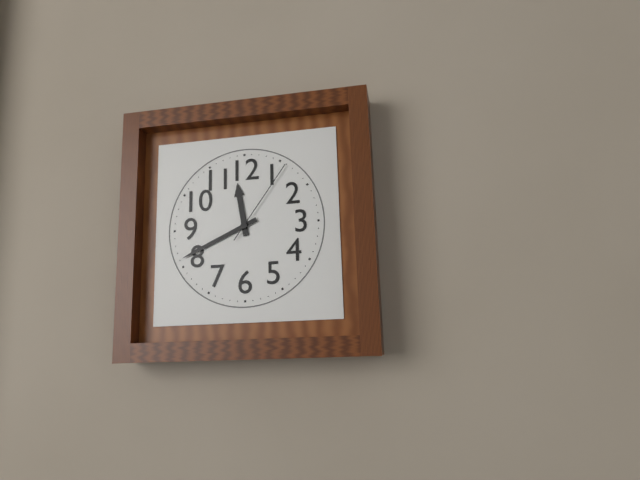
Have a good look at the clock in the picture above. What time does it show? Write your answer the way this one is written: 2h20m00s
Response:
11h41m06s
